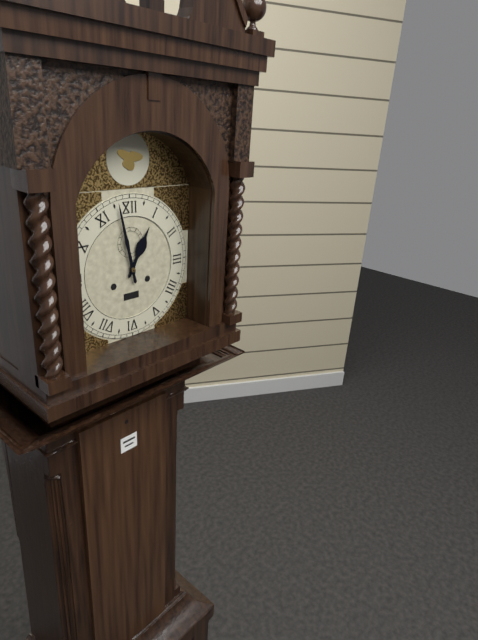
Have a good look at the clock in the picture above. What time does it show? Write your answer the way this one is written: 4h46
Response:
12h58
